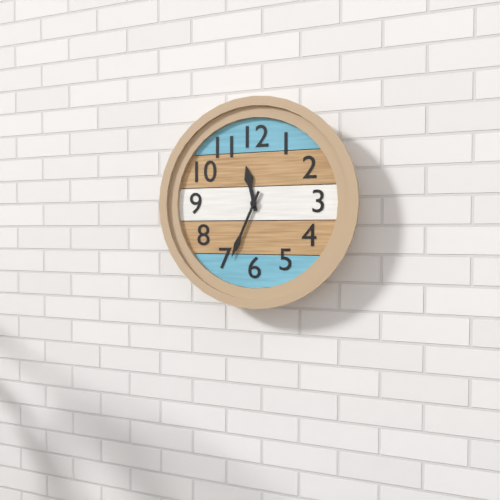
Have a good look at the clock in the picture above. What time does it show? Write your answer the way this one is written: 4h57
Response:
11h34
